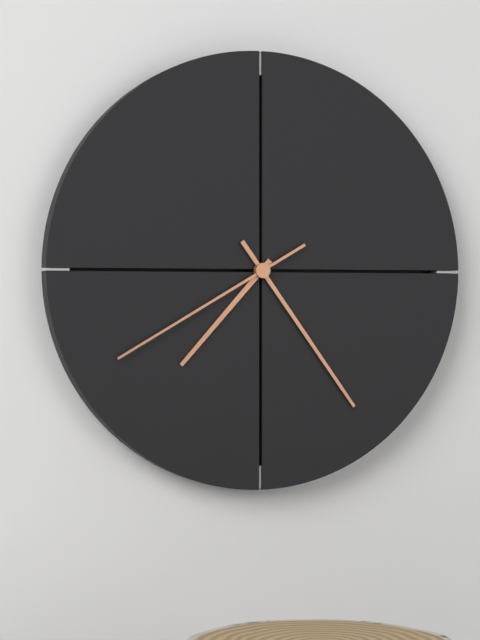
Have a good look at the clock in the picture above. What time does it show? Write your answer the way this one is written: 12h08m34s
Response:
7h24m40s
